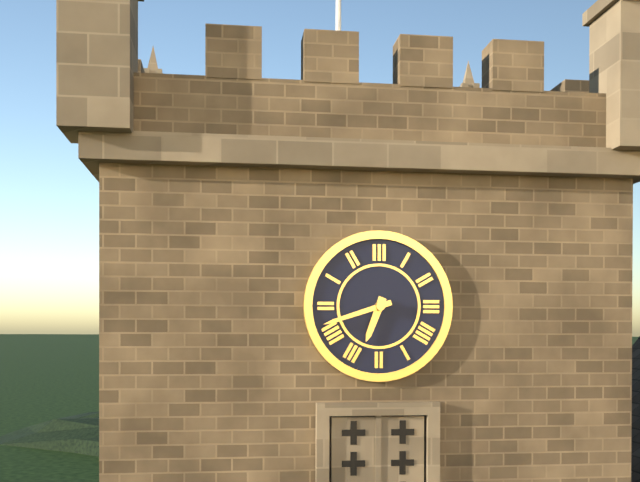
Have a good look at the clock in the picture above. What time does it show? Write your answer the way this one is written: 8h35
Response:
6h42
